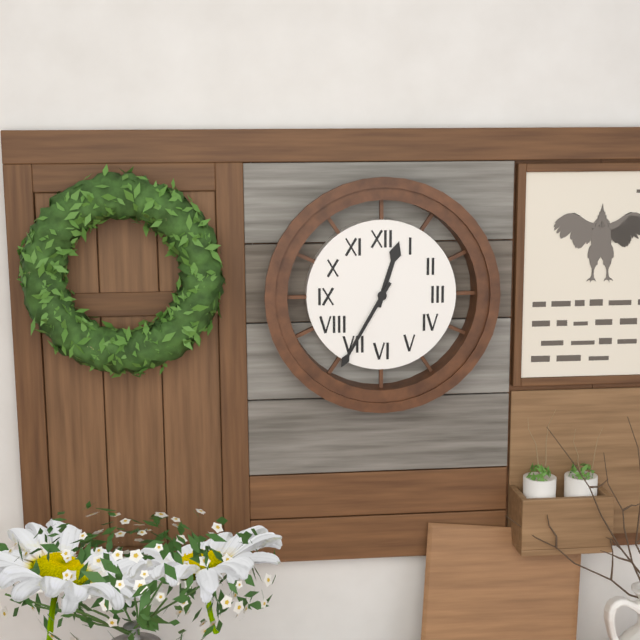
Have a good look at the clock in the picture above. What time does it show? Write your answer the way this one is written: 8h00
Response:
12h35
